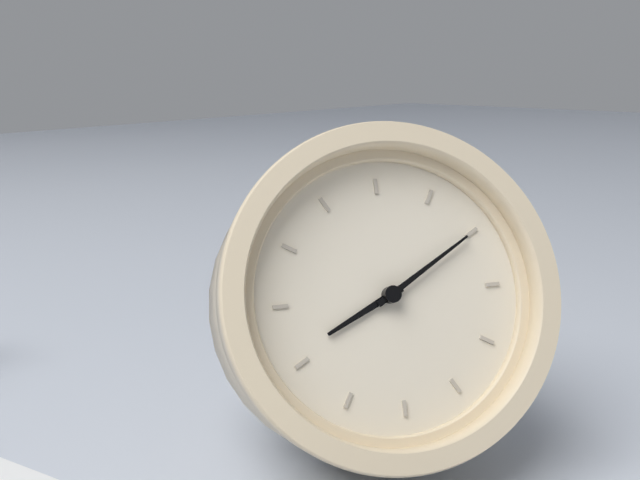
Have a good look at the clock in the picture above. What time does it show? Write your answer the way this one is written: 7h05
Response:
8h10
